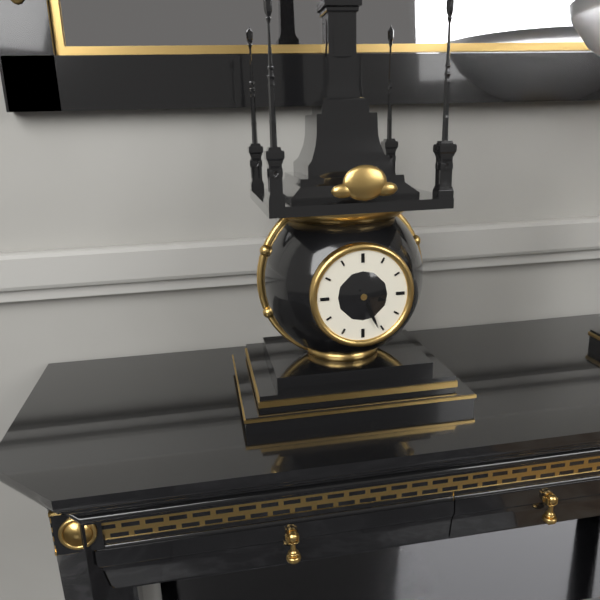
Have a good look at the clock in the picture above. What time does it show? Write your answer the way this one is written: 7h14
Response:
3h26
